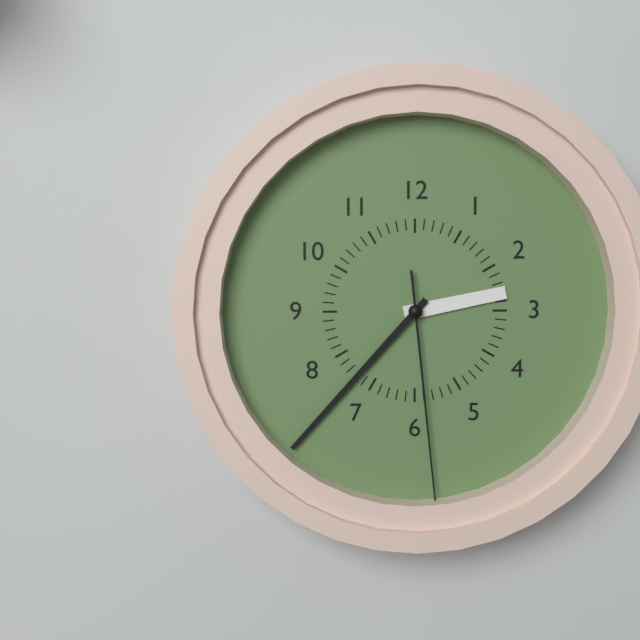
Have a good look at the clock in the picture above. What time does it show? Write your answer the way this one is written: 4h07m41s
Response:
2h37m29s
